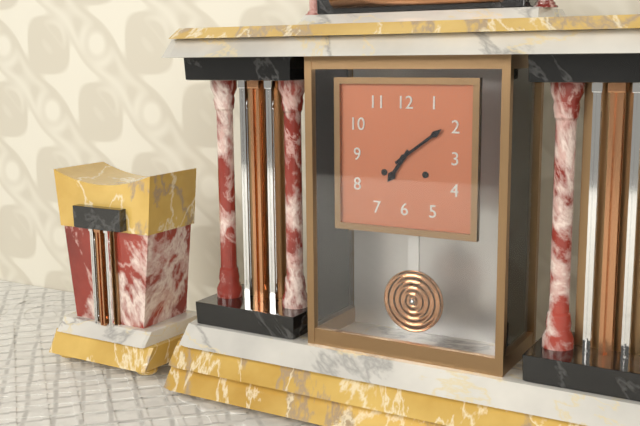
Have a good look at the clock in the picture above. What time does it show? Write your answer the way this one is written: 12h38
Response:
7h09
